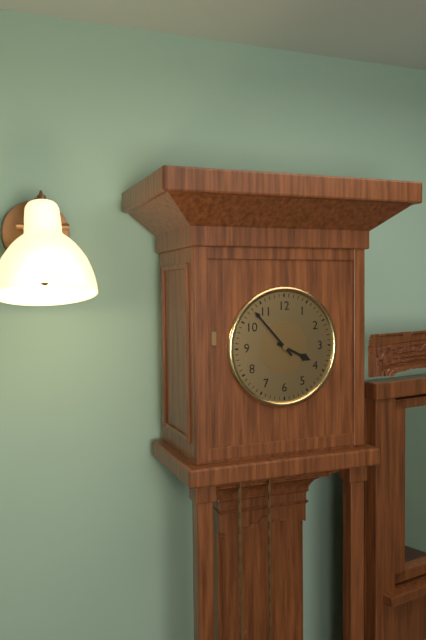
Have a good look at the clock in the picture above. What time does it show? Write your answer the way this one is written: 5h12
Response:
3h53
